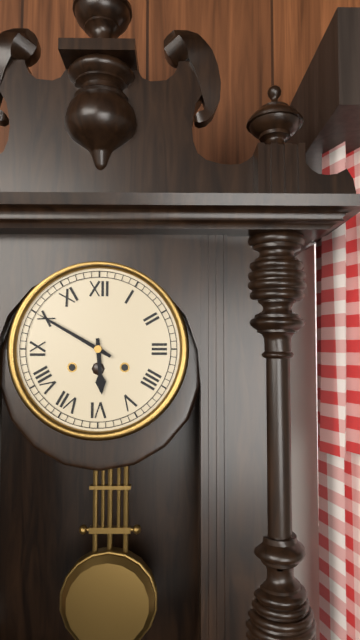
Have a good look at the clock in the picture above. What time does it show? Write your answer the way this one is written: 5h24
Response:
5h50
